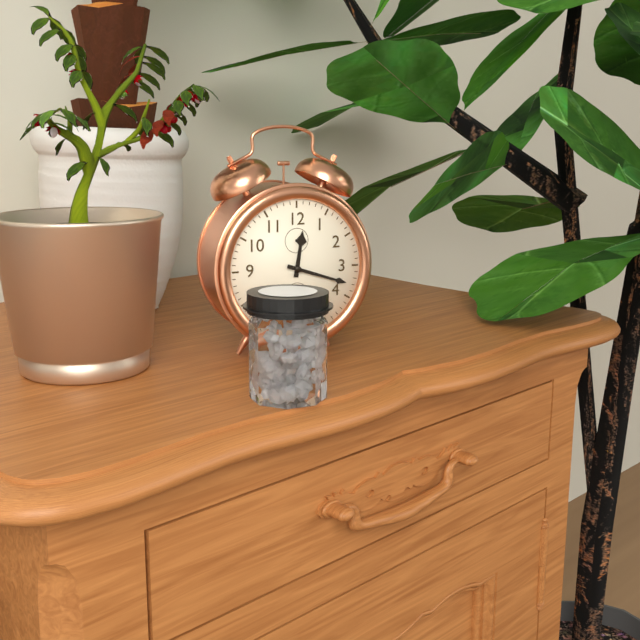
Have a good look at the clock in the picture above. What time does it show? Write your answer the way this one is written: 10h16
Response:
12h18
